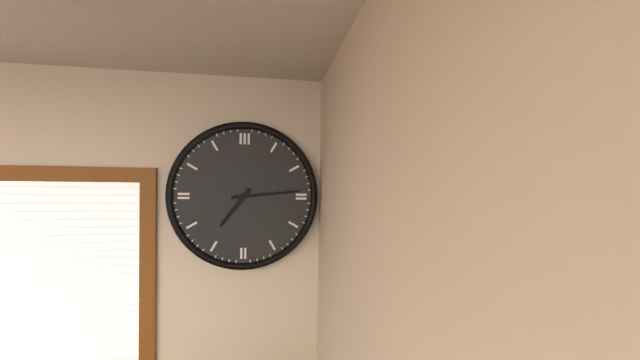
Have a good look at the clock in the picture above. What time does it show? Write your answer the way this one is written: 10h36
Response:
7h14
